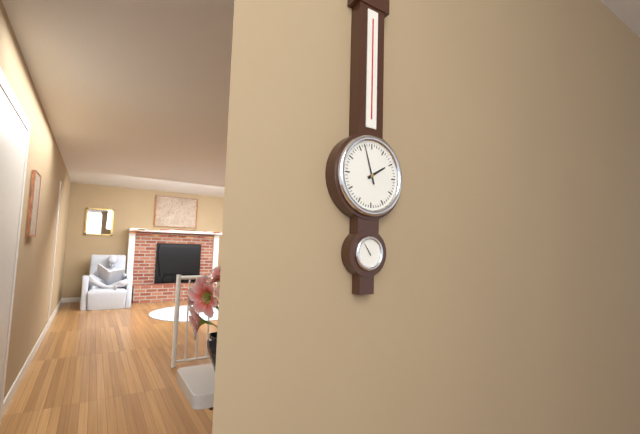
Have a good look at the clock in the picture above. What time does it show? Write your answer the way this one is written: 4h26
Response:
1h57
